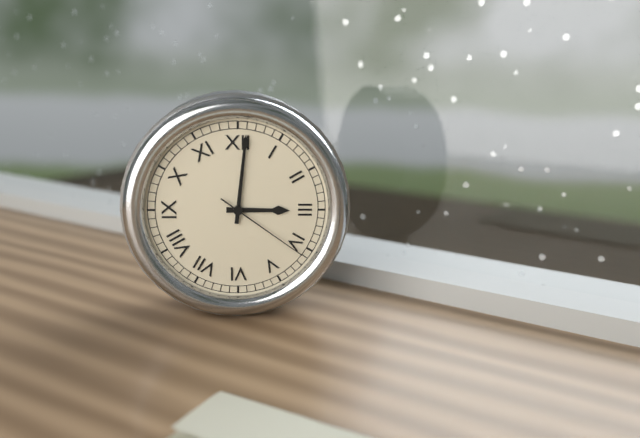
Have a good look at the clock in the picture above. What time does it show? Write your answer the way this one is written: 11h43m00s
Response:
3h01m21s
